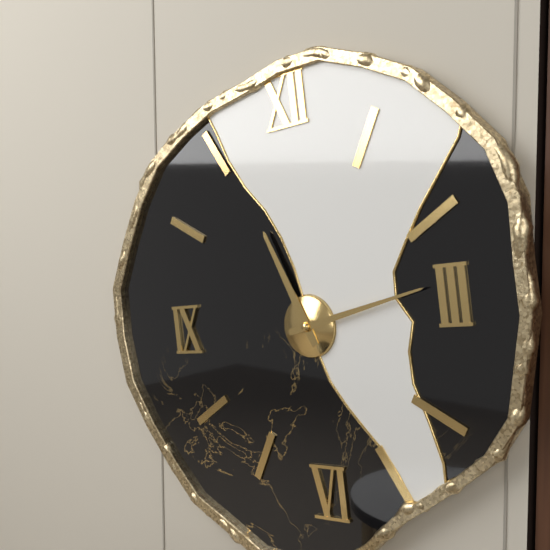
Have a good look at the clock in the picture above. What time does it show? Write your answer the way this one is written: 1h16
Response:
11h13
